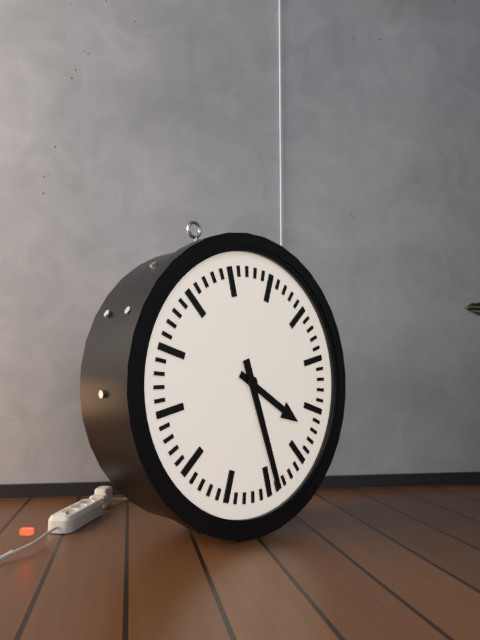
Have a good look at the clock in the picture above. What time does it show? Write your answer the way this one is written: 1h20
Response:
4h29
